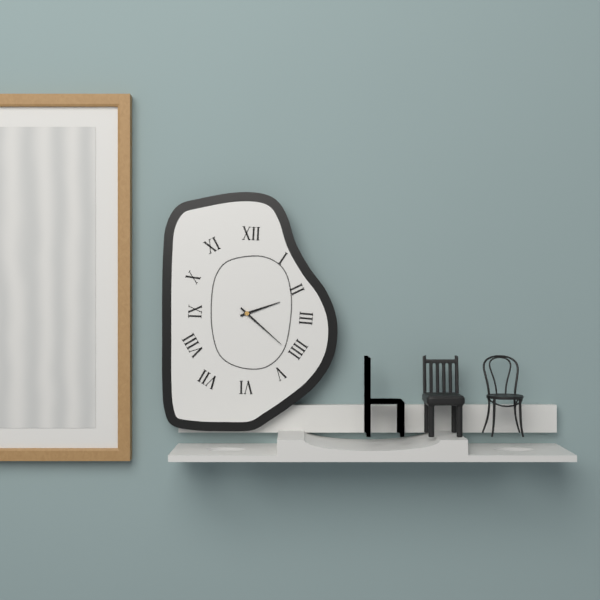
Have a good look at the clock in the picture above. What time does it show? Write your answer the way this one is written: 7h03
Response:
2h22
